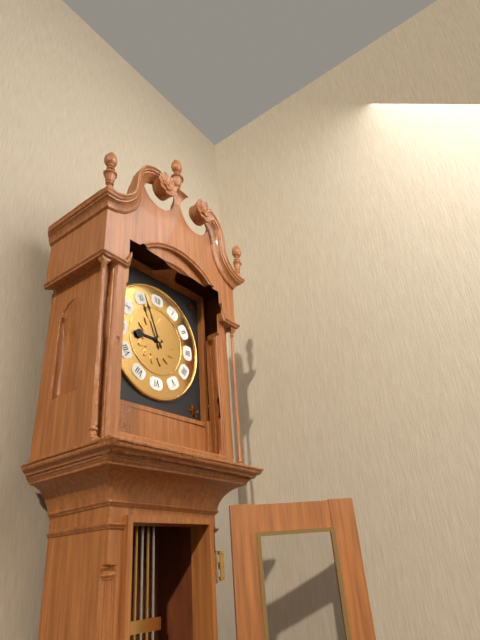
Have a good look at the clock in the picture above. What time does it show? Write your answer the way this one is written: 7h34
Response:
8h56
